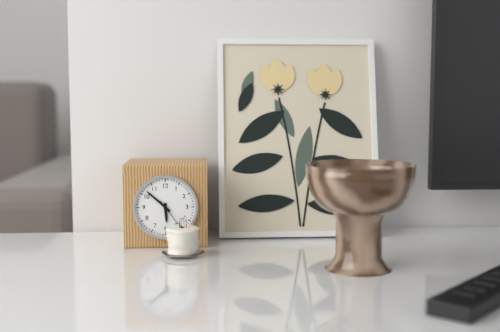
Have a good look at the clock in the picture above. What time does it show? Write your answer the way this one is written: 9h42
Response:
5h52
